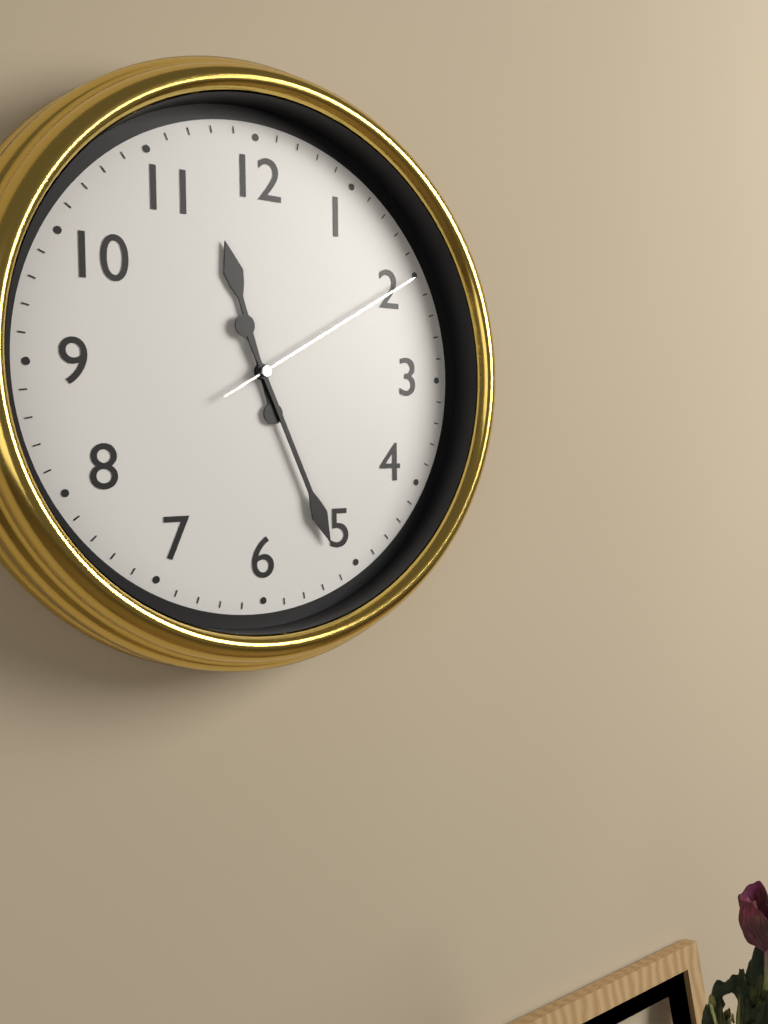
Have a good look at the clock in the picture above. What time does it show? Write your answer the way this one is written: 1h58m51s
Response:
11h26m10s
